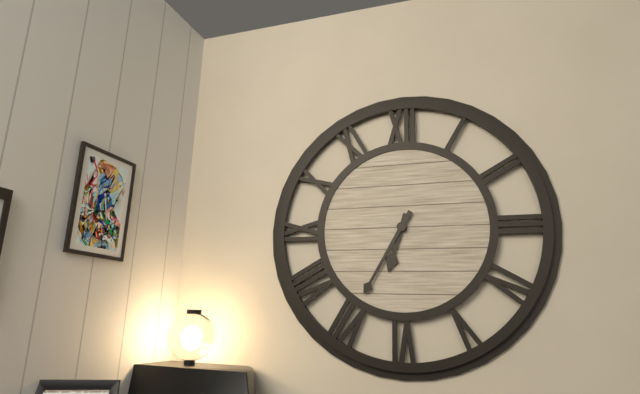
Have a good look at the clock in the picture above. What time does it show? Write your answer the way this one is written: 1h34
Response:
6h35
